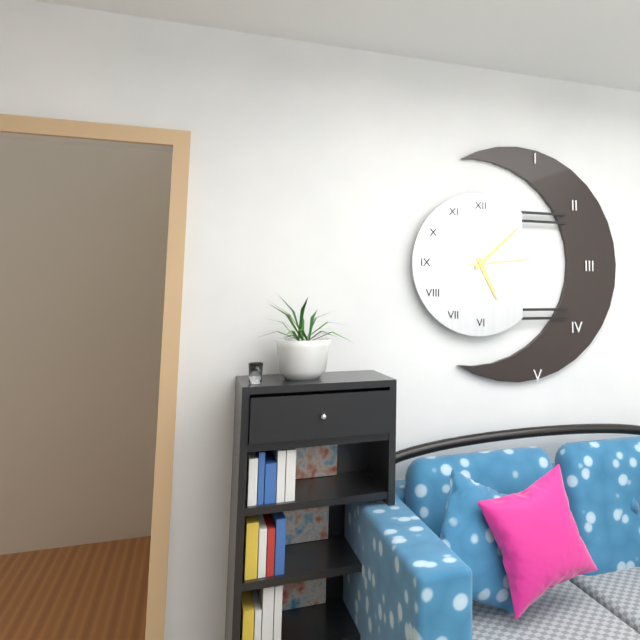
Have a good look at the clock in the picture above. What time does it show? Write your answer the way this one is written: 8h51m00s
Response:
5h08m14s
